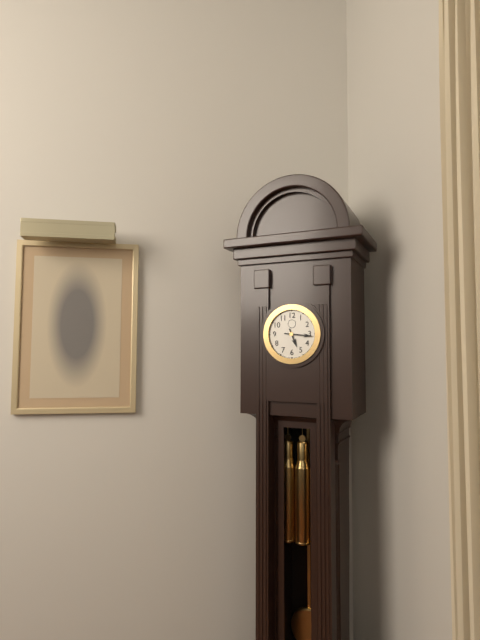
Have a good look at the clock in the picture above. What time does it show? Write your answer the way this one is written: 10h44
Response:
5h16
